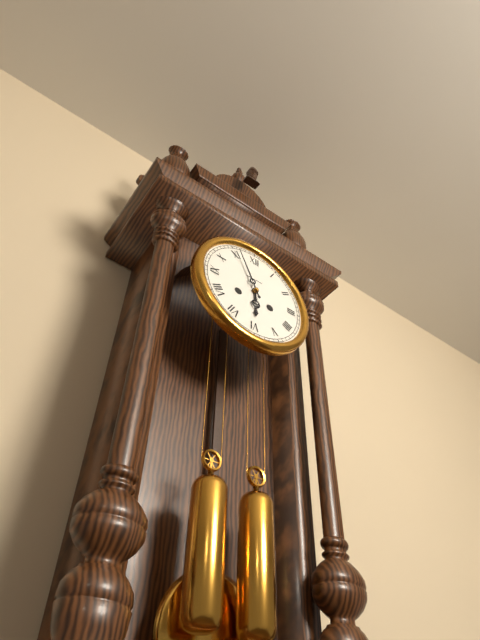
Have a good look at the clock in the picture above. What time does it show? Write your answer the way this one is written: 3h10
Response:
5h56
